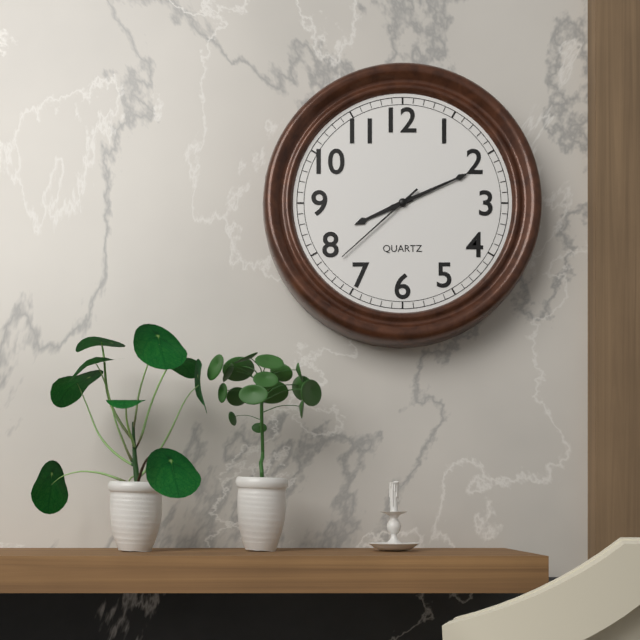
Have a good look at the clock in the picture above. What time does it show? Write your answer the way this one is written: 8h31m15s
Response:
8h11m38s
